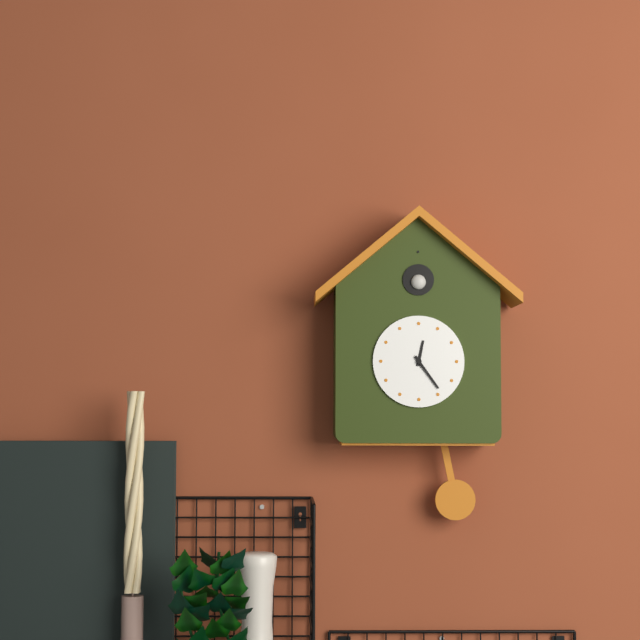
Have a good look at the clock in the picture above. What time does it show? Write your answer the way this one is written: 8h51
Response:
12h24
